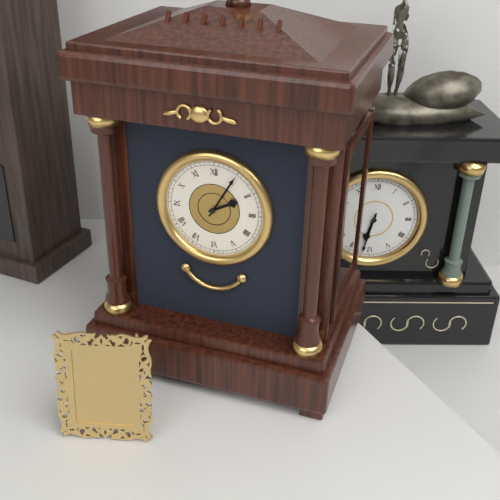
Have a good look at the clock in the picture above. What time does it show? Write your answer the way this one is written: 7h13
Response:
2h05
